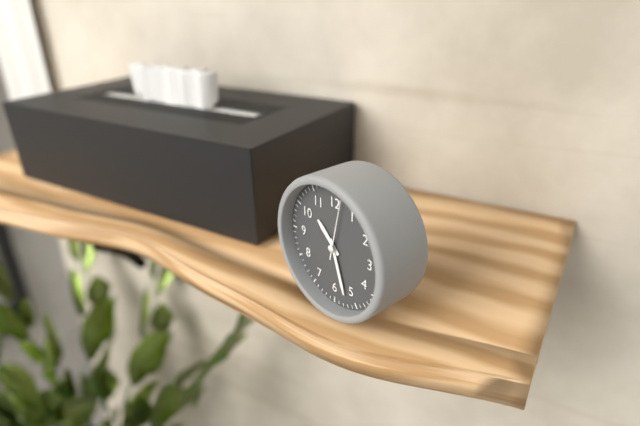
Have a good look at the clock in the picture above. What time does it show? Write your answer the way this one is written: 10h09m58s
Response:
10h27m02s
